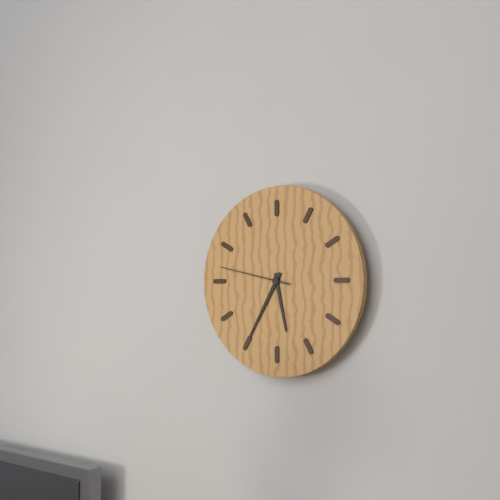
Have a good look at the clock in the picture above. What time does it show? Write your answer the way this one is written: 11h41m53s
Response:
5h35m47s
